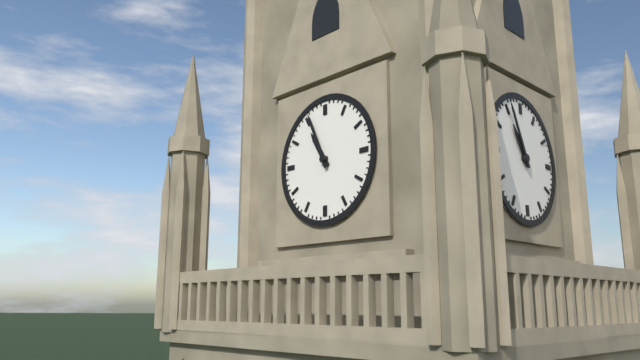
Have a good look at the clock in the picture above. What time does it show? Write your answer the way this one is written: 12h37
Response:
10h56
